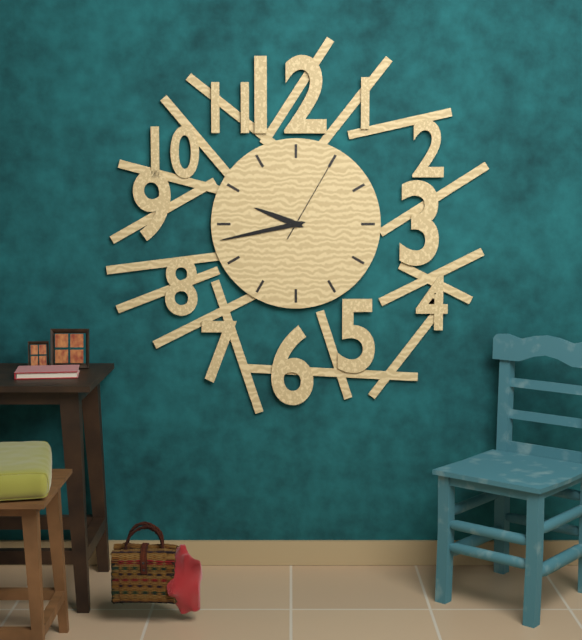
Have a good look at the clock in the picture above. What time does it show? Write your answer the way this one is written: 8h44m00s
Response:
9h43m05s
